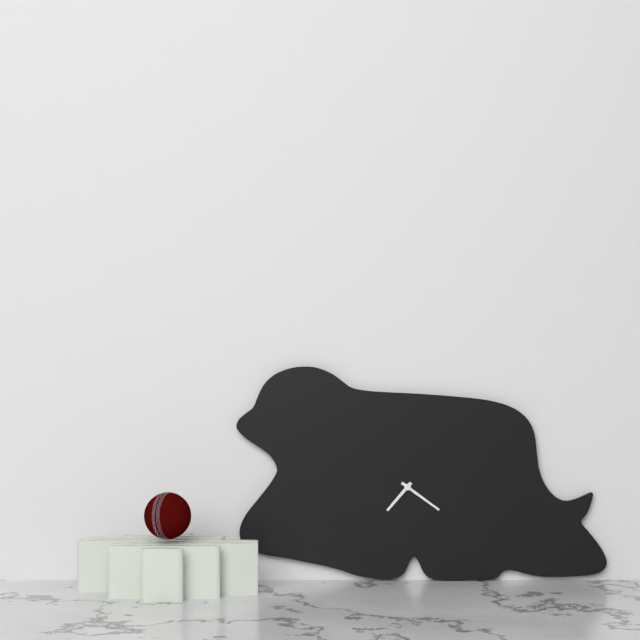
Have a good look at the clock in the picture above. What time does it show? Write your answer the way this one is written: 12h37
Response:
7h21
